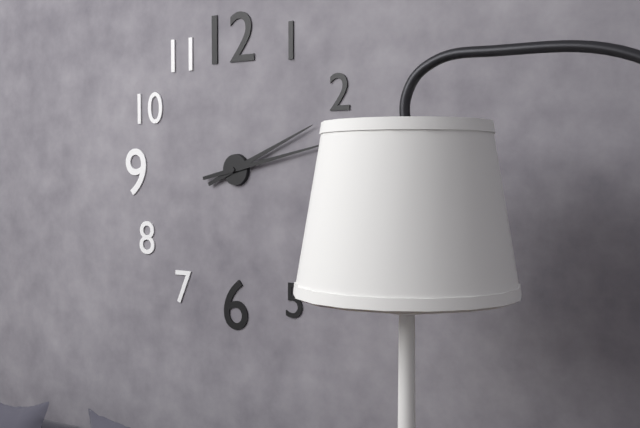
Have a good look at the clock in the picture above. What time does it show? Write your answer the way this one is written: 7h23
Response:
2h13
